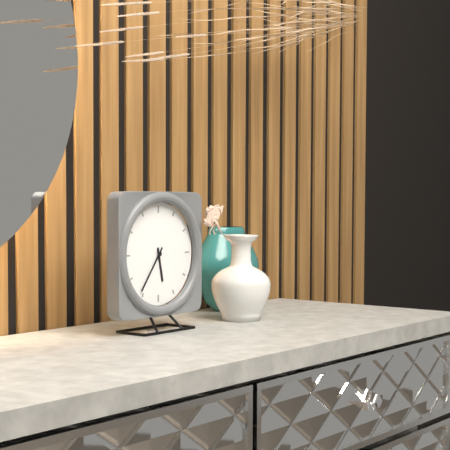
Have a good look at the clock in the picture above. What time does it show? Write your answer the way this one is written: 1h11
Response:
5h36
